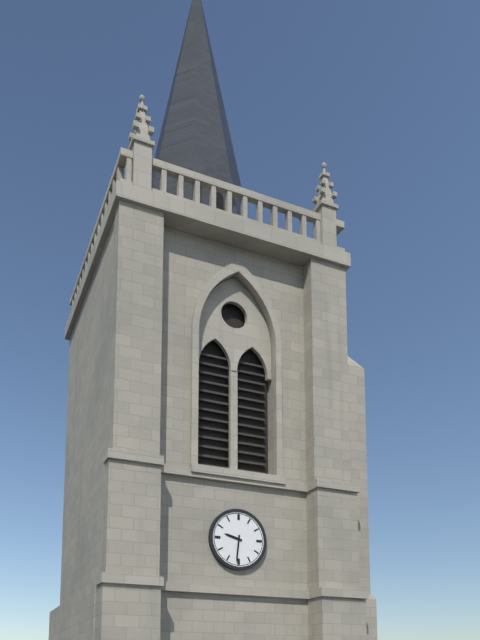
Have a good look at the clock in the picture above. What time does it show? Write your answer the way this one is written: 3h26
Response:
9h31
